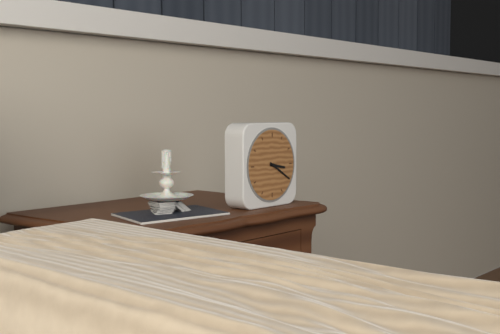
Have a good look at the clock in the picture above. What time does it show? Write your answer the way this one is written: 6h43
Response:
3h20
